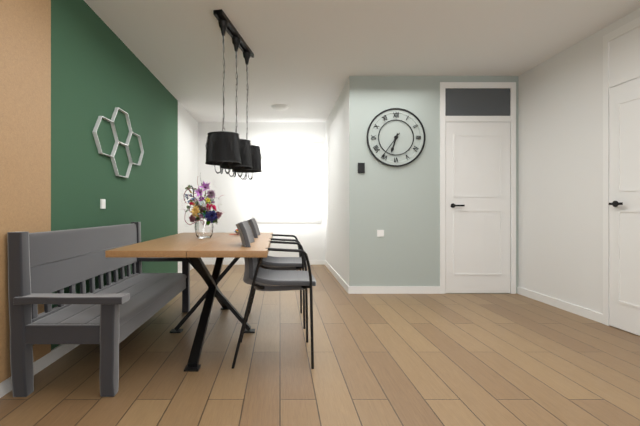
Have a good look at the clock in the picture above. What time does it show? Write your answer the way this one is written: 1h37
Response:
6h36
